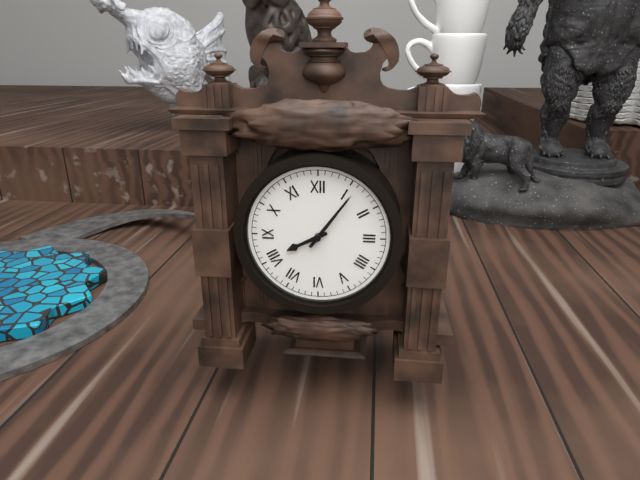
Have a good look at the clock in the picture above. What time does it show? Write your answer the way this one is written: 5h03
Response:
8h06
